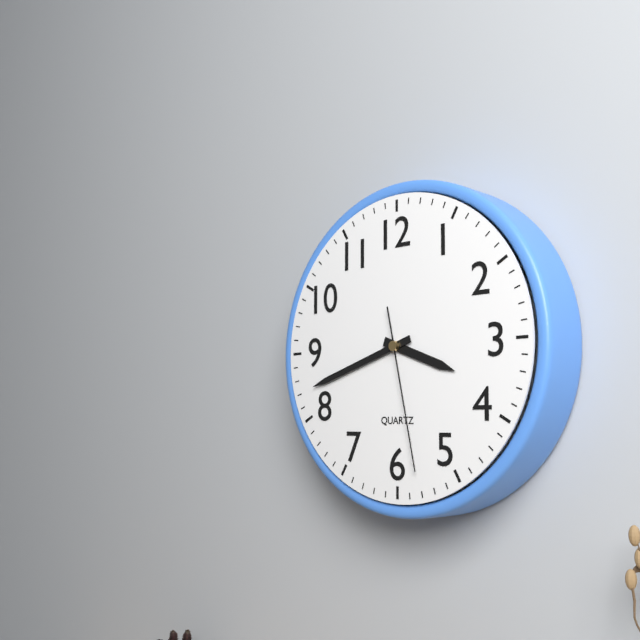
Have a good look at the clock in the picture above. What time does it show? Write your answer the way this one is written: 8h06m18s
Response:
3h42m28s
